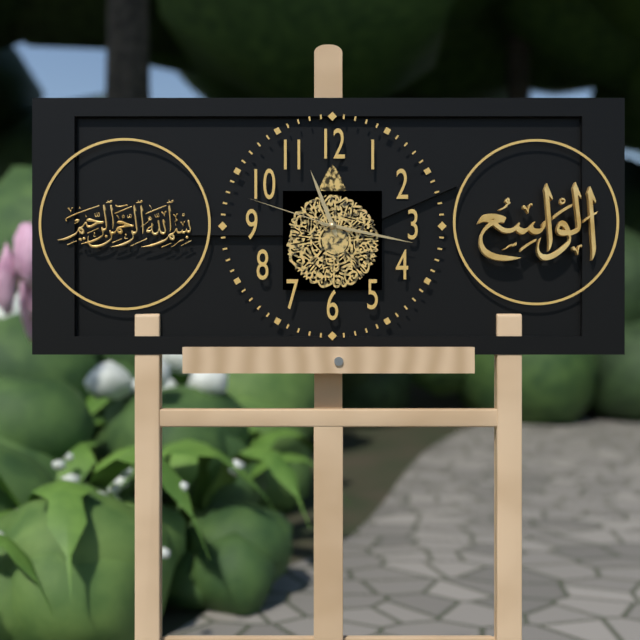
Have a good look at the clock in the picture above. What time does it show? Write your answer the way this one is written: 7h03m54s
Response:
11h17m48s
